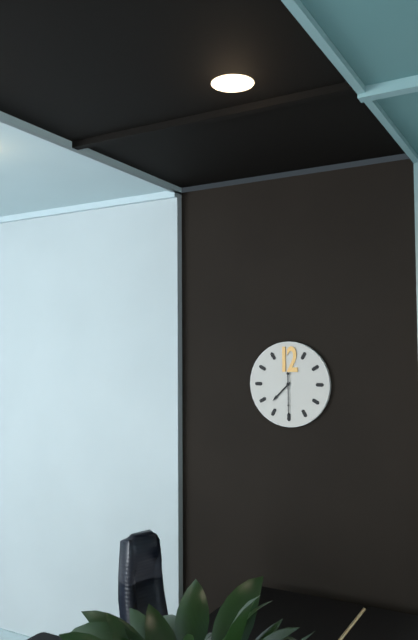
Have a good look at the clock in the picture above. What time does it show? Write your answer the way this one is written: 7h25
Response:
7h30
